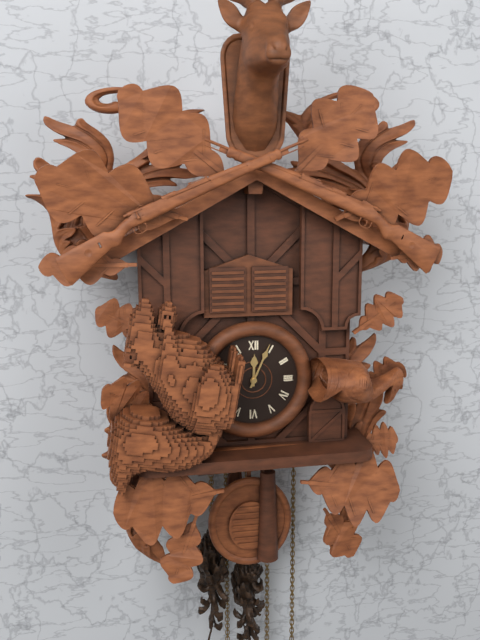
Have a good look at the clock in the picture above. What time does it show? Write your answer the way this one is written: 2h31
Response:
12h04
